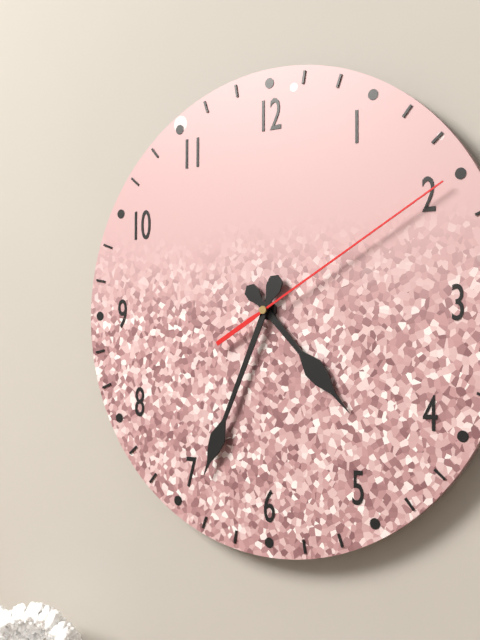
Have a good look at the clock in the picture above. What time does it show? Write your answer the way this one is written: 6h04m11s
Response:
4h34m10s
